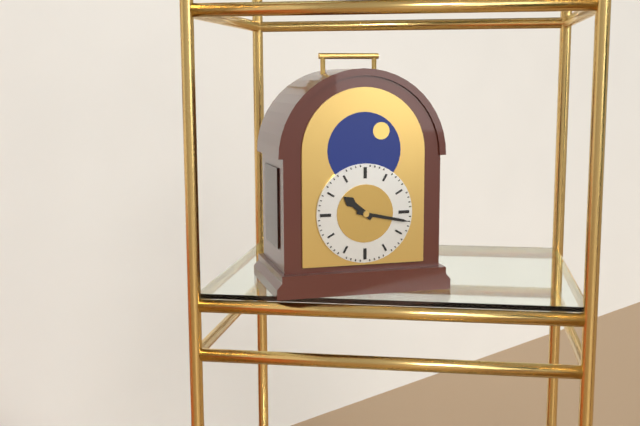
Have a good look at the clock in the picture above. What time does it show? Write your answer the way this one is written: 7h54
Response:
10h17
